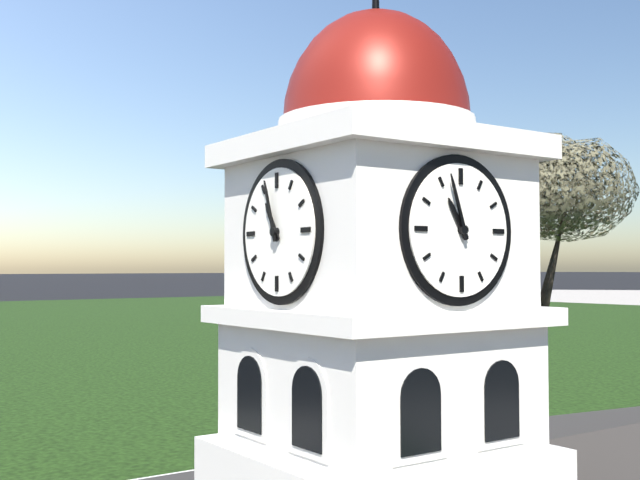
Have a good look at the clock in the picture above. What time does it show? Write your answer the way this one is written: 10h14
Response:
10h57
